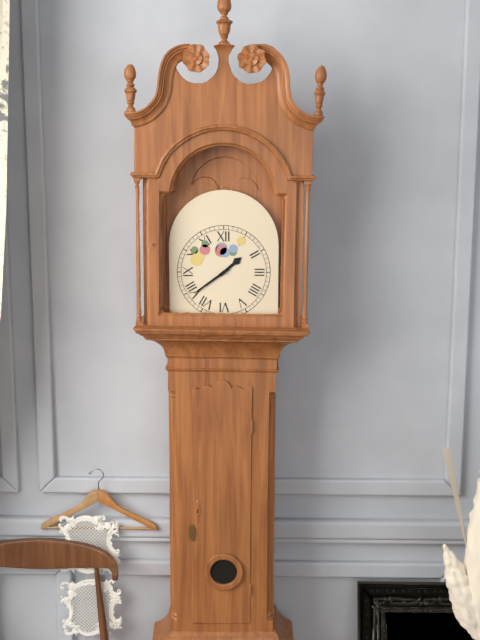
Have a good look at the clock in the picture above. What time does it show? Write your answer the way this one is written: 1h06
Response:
1h39
